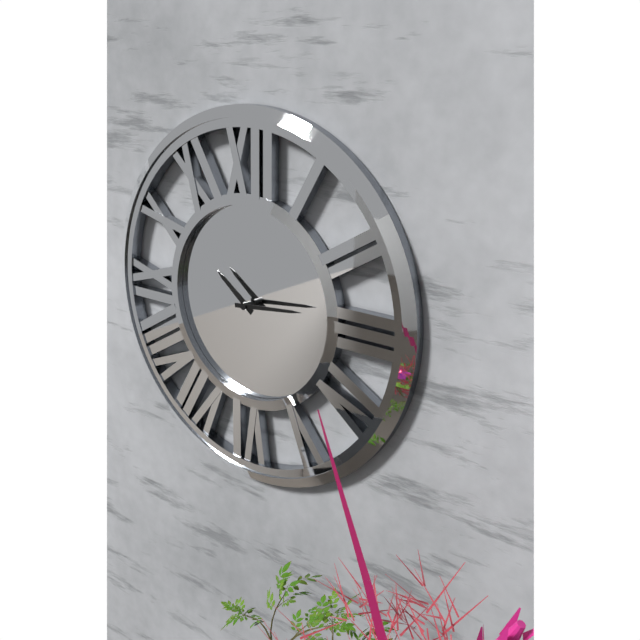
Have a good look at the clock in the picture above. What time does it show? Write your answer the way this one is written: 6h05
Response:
10h14
